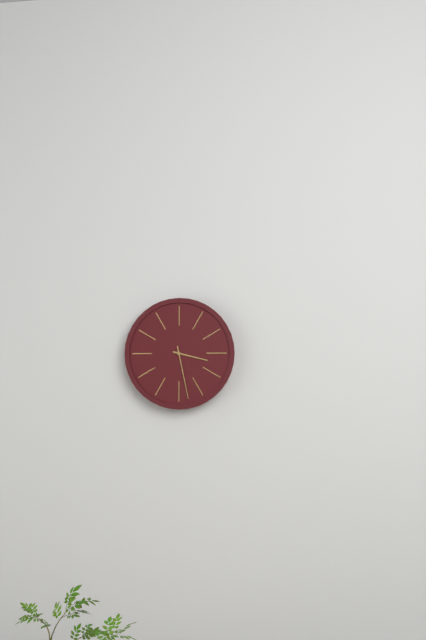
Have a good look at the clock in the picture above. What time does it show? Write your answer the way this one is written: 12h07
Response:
3h28
